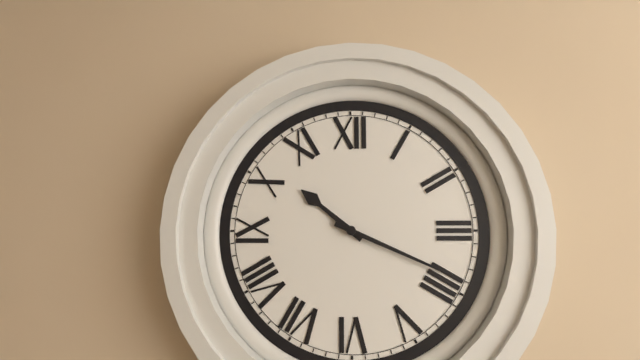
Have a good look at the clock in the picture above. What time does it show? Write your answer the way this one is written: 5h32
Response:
10h19
